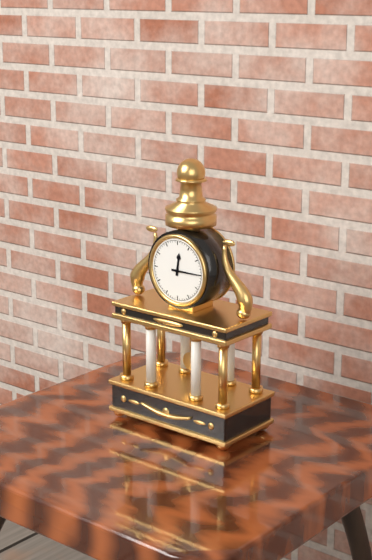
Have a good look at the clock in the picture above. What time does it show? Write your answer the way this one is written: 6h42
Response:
12h15
